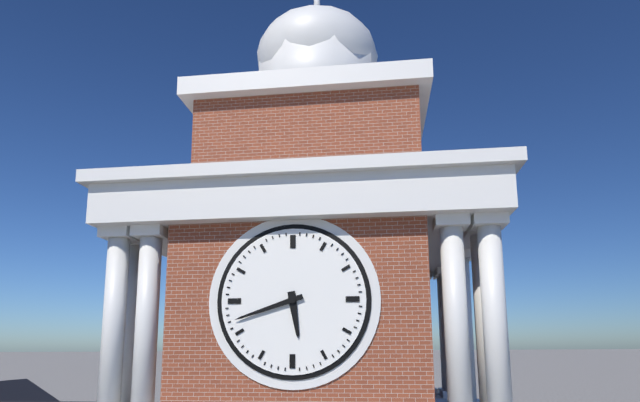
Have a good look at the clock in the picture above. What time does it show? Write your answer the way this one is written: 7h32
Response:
5h42
